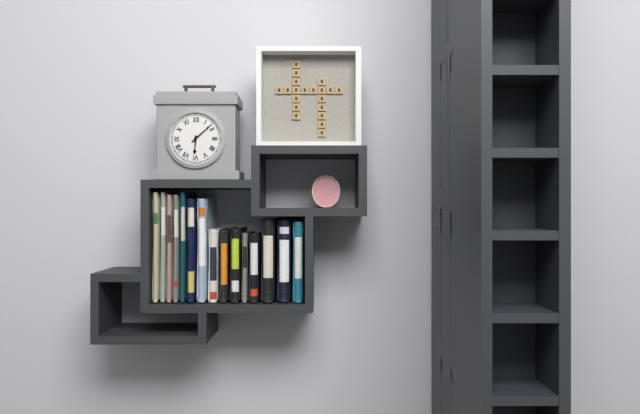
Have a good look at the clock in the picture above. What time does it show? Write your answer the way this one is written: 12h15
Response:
6h08
